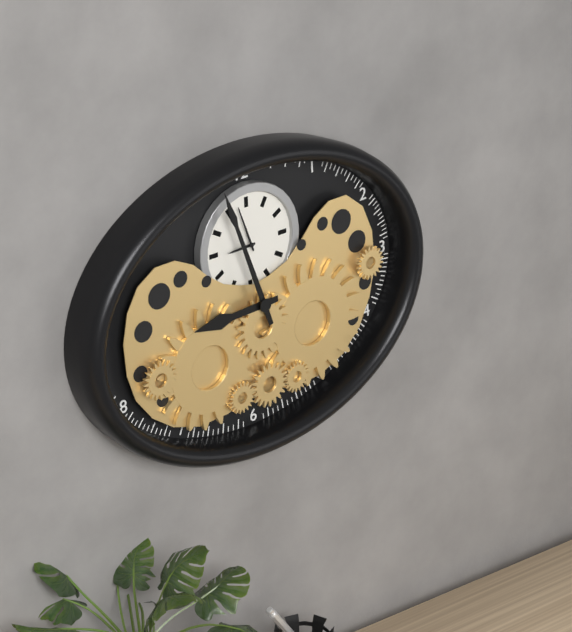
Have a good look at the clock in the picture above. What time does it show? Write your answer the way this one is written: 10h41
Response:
8h57
